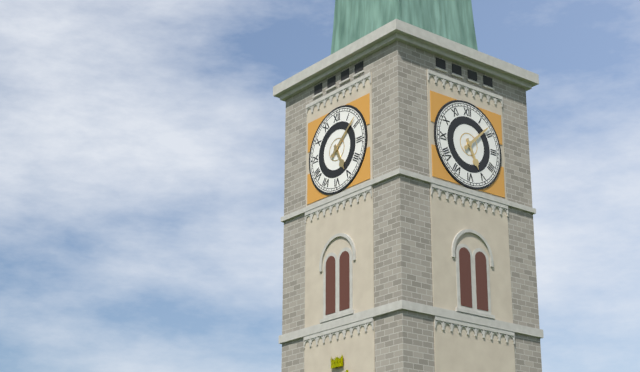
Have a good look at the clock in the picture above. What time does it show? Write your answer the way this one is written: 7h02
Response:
5h08
